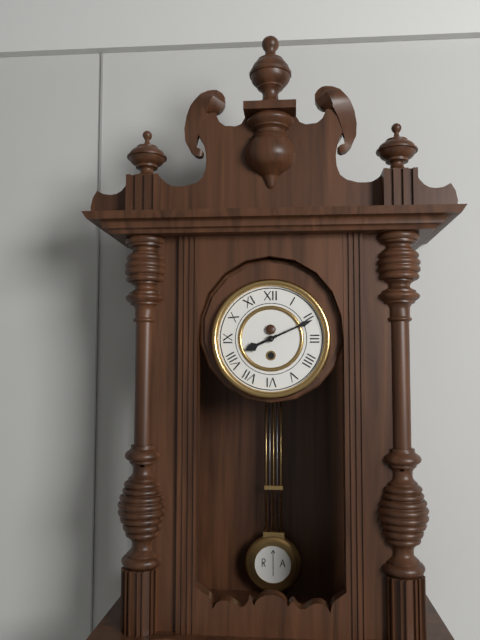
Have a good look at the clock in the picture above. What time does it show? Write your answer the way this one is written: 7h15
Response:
8h11
